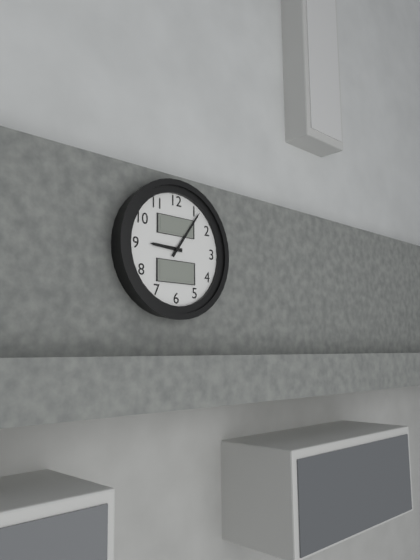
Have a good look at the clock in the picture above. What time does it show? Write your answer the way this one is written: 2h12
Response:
9h06
